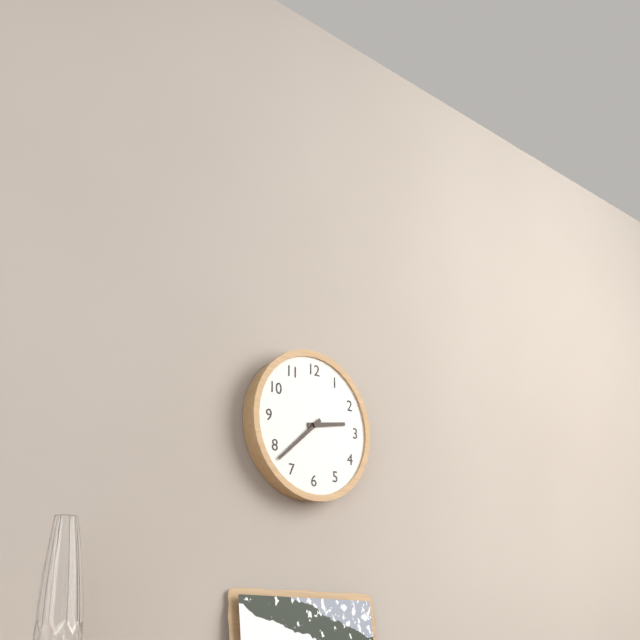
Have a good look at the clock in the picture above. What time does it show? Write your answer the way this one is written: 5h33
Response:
2h38
